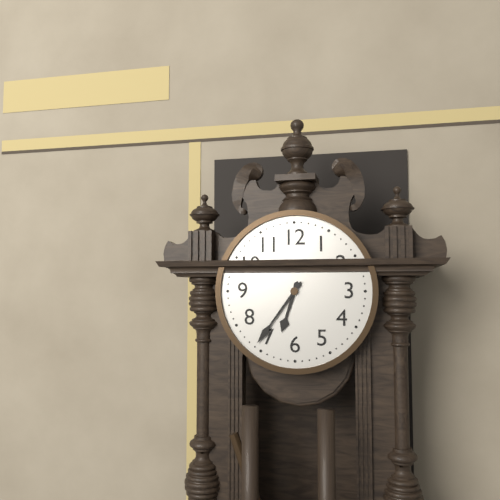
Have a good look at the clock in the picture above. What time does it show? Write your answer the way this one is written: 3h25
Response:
6h36
